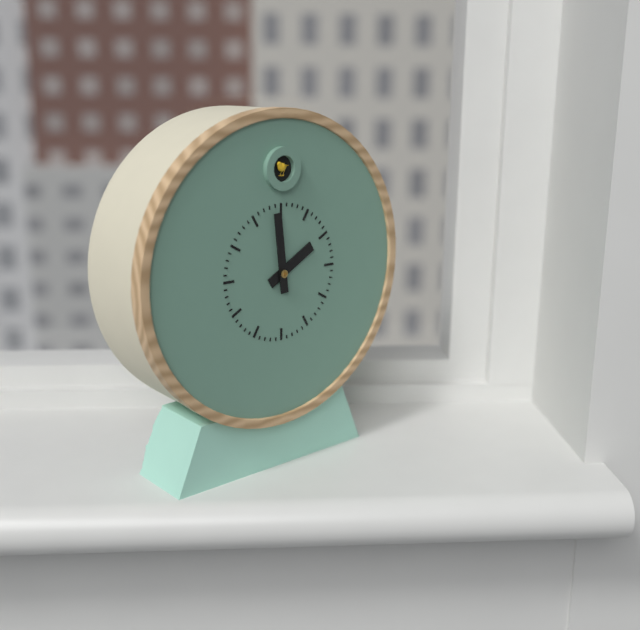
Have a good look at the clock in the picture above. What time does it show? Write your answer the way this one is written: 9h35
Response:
1h59
